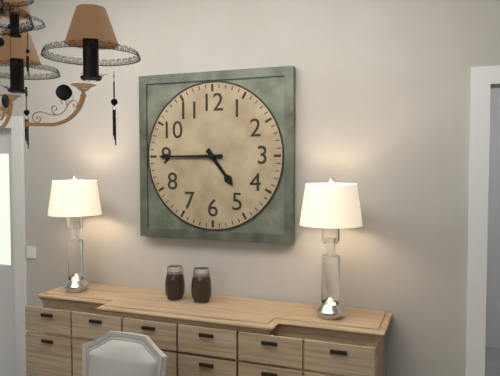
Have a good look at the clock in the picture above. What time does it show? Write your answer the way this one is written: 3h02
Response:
4h45
